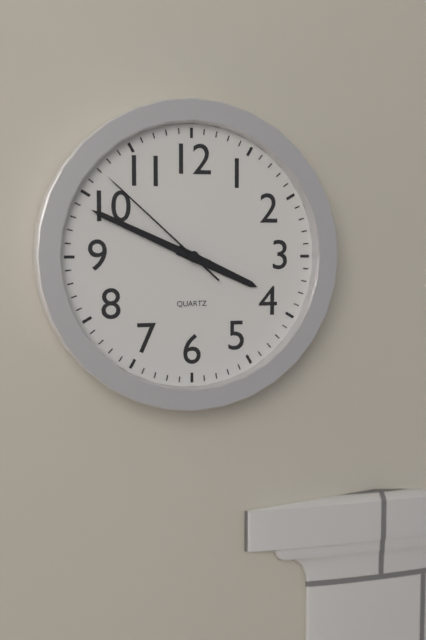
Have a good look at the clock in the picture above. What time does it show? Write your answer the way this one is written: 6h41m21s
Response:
3h49m52s
